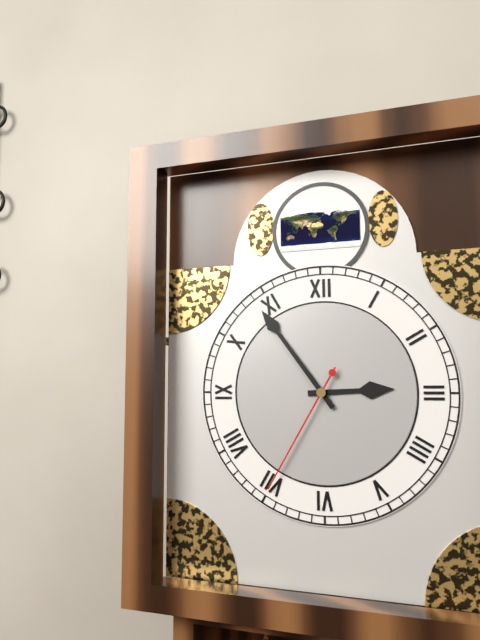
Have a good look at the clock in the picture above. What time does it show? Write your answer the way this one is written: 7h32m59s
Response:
2h54m35s
